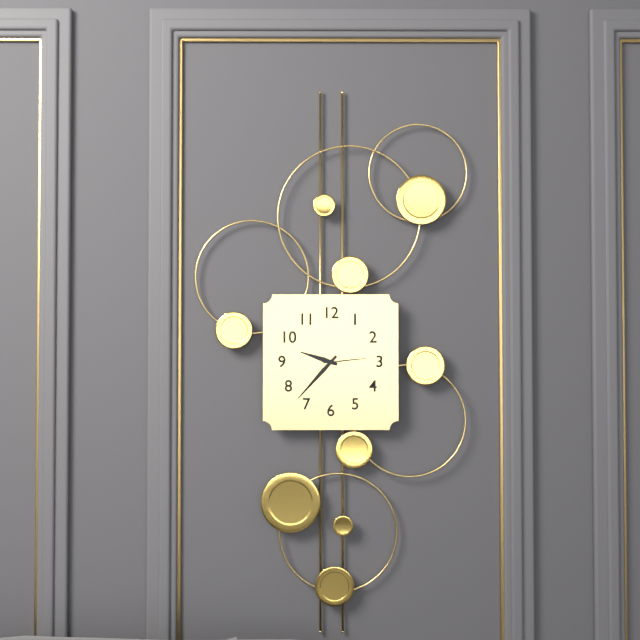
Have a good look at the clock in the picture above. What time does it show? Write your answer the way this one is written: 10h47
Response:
9h37
